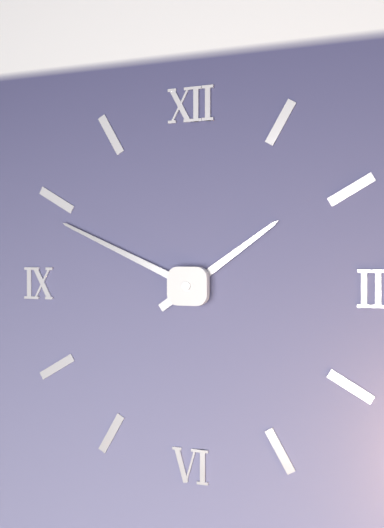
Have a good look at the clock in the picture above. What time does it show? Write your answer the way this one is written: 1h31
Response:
1h49
